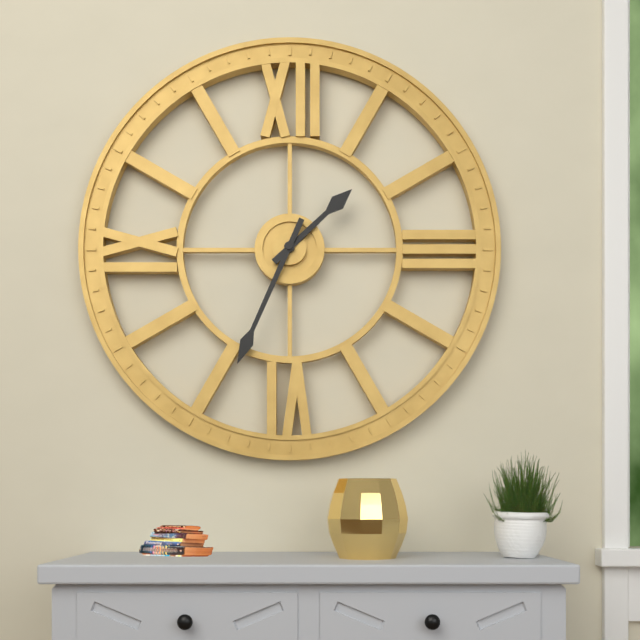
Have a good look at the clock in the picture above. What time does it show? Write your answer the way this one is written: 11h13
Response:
1h34
